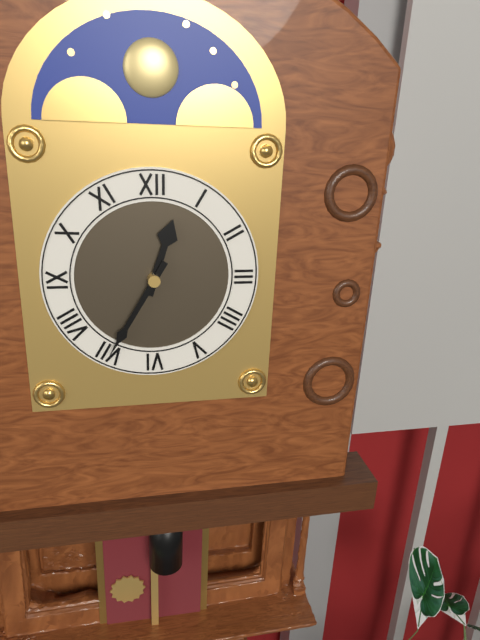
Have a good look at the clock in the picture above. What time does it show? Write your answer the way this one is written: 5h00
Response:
12h35
